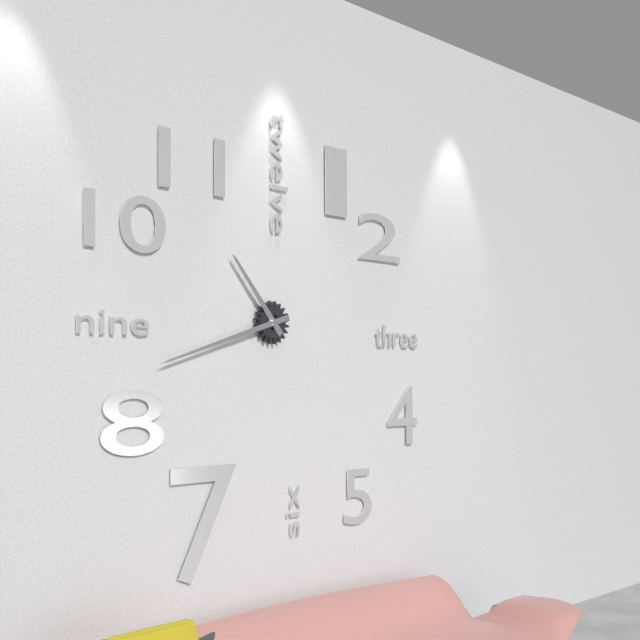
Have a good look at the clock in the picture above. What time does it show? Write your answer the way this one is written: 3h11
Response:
10h42
